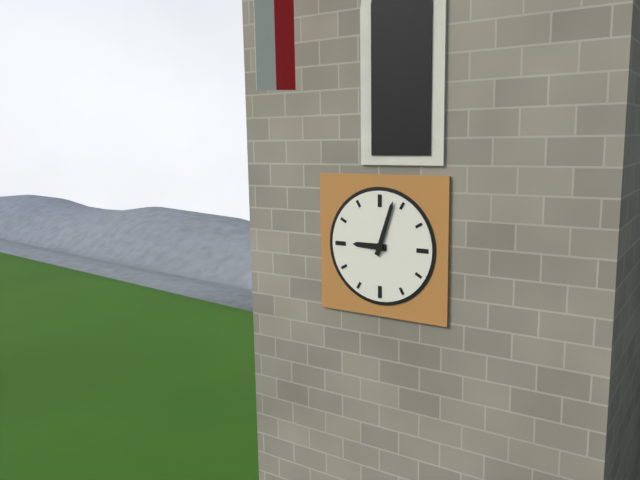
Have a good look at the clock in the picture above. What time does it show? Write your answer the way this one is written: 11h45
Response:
9h03
